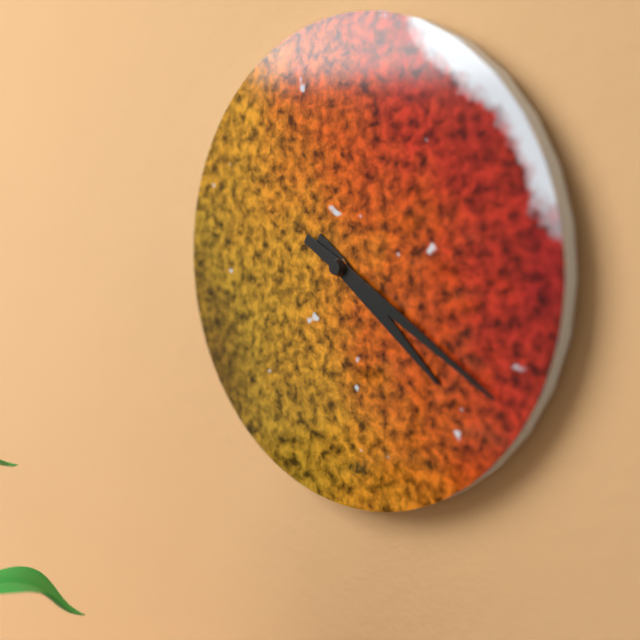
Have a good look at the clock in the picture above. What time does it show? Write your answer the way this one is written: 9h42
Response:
4h20
